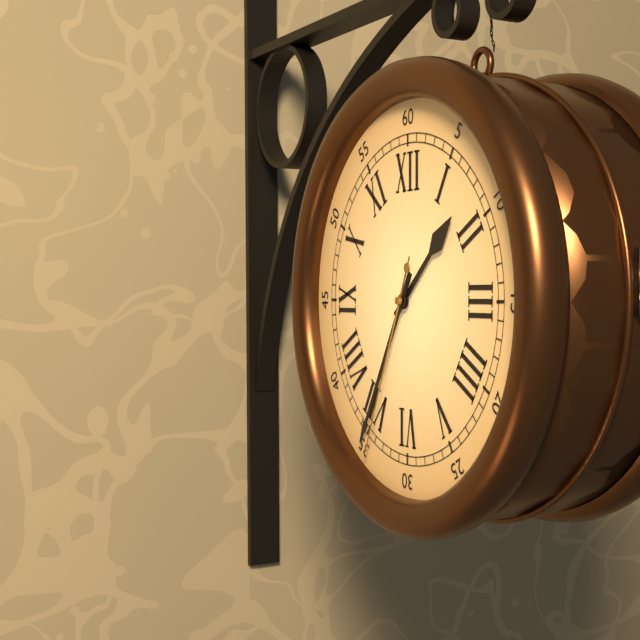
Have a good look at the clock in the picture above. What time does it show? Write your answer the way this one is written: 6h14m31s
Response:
1h35m34s
